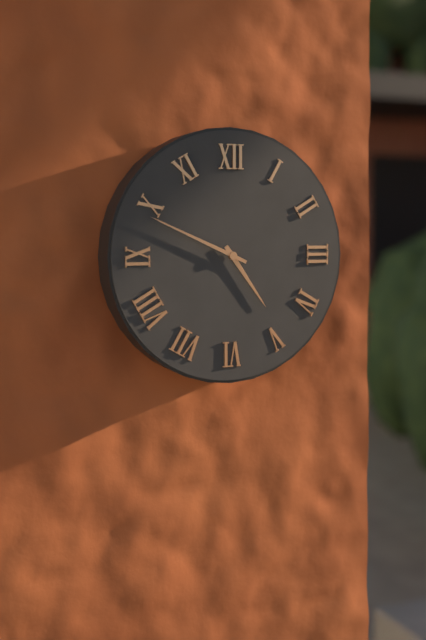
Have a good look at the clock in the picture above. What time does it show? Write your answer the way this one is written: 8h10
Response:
4h49
